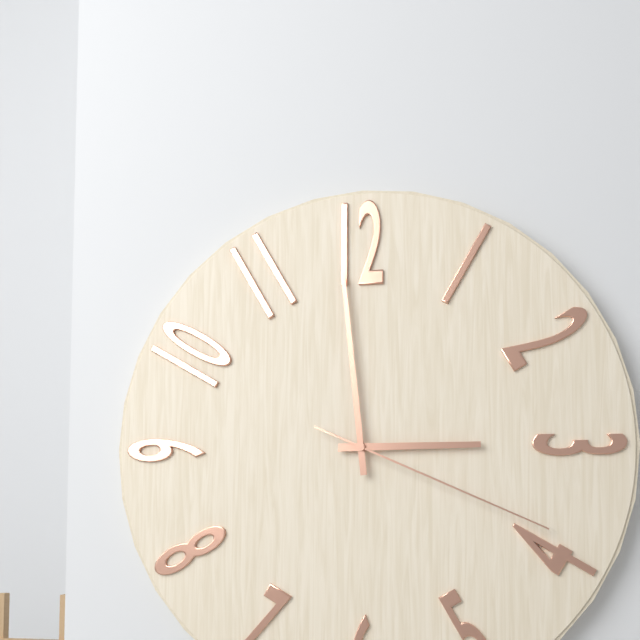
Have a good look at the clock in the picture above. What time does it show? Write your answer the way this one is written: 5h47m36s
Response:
2h59m19s
